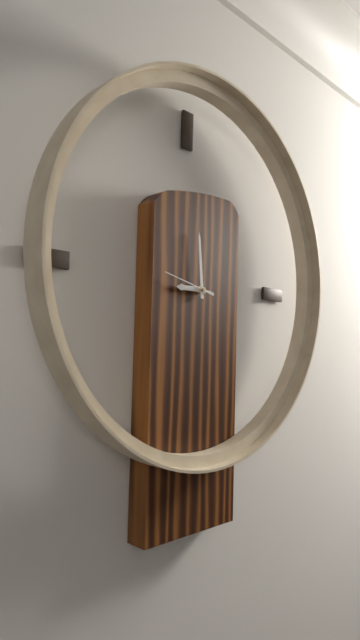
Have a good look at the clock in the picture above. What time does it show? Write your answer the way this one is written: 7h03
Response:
8h59
